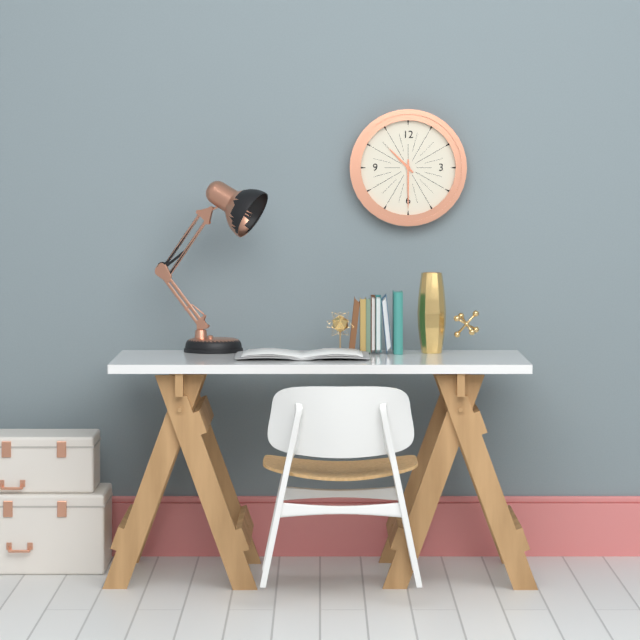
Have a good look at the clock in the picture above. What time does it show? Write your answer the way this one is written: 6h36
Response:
10h30
